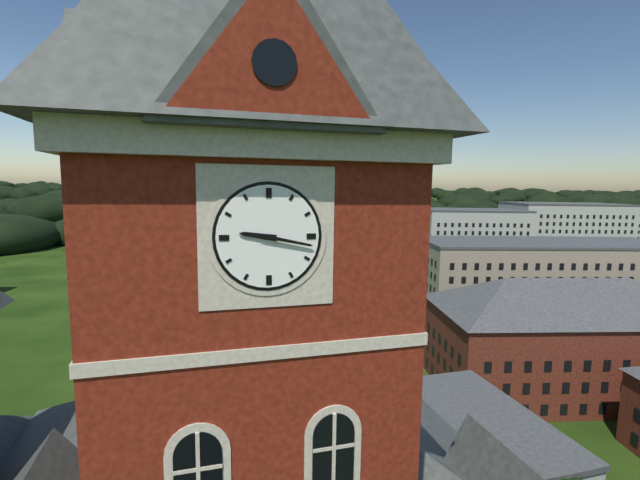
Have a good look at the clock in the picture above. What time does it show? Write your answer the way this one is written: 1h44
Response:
9h17
